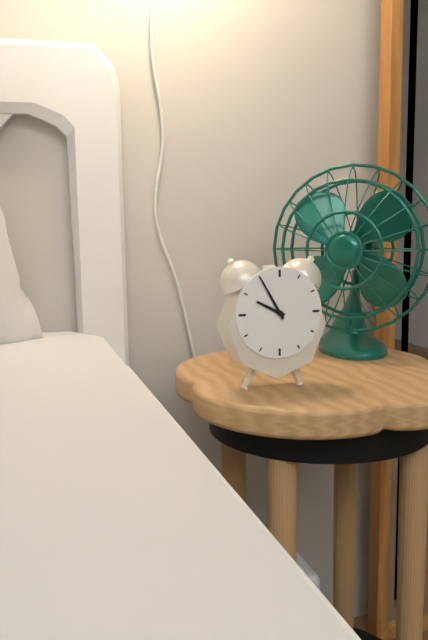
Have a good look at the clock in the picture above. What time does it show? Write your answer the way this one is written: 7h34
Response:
9h55
